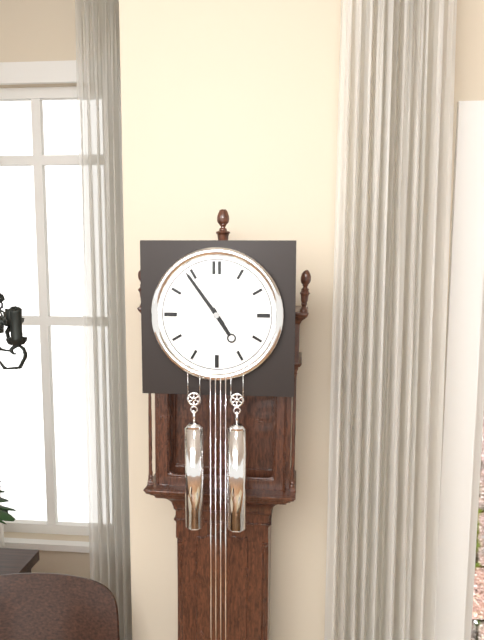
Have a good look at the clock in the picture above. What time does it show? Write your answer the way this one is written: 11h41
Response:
4h54
